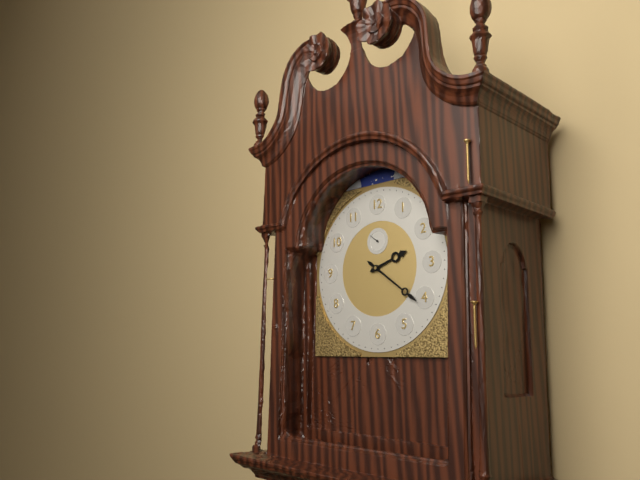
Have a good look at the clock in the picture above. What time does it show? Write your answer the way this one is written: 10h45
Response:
2h21
